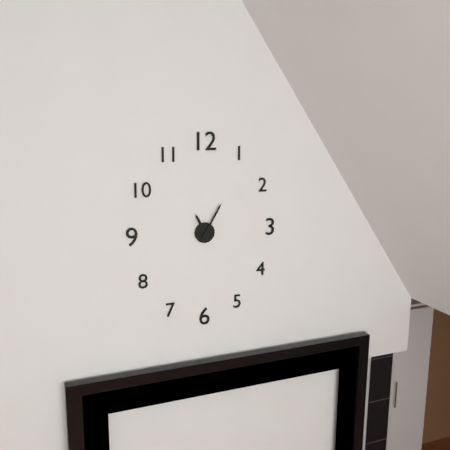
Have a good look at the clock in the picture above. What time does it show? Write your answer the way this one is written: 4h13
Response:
11h05
